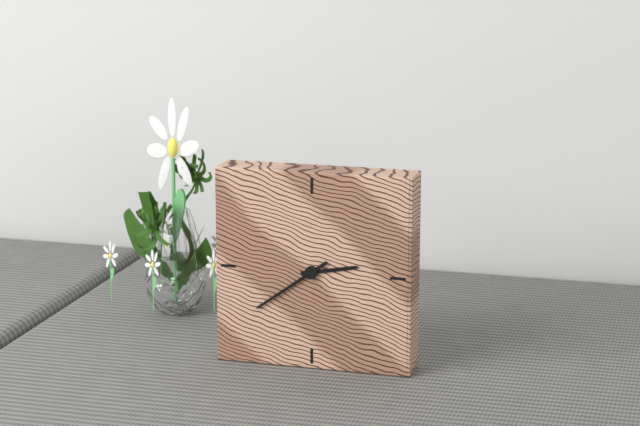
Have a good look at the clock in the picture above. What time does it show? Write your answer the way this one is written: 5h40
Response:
2h39
